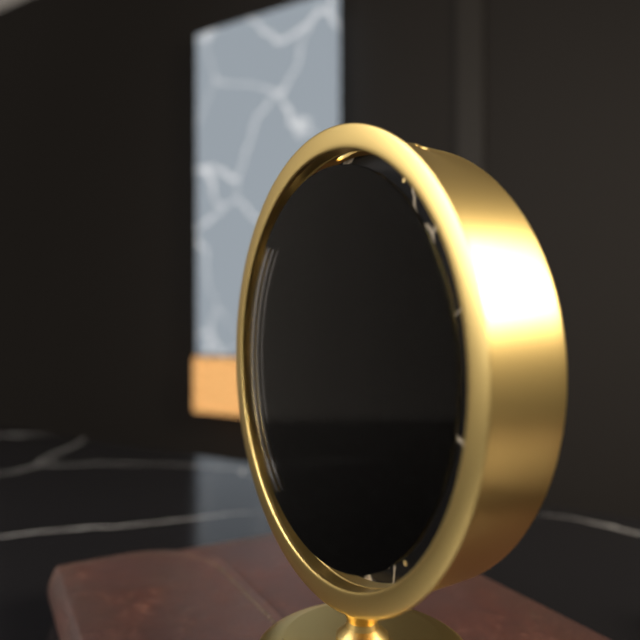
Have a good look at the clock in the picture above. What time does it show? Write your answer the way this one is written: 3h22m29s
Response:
11h12m23s
